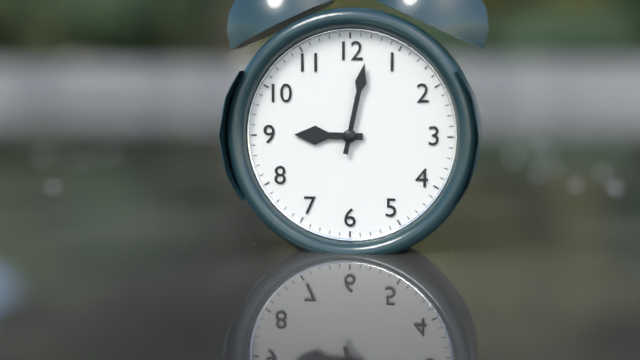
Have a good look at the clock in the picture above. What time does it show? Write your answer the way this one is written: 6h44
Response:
9h02
